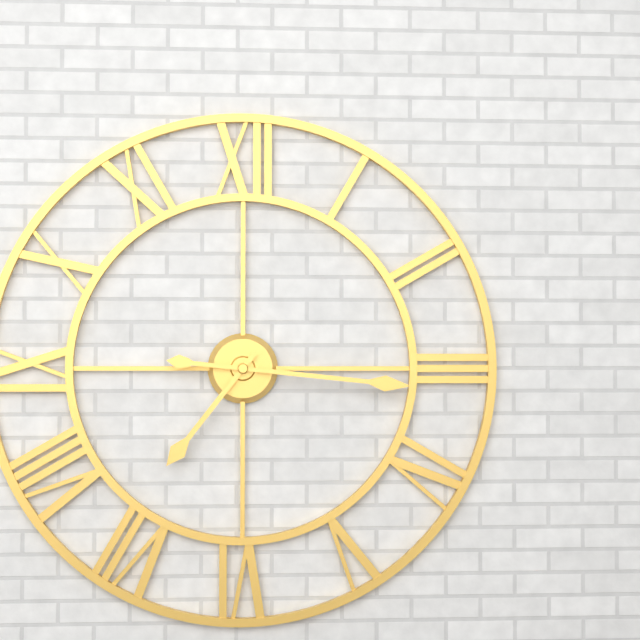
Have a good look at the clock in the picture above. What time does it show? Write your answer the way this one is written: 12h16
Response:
7h16
